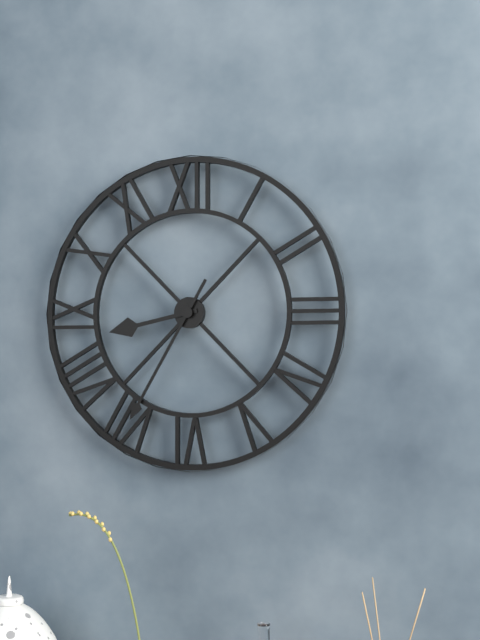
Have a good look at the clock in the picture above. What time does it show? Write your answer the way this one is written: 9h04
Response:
8h35
